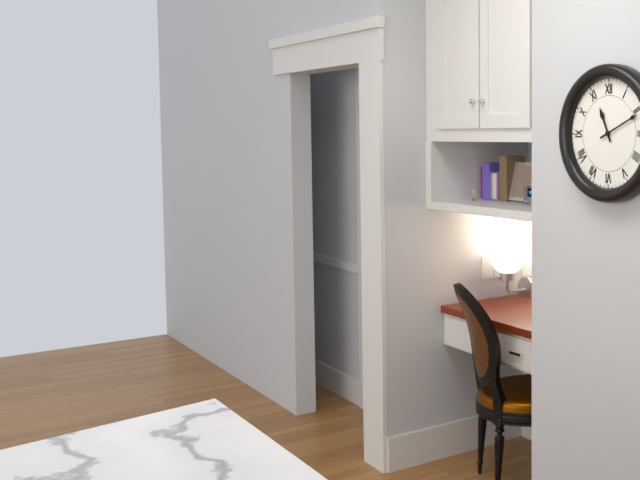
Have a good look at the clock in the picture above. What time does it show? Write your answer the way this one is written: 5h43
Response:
11h11
